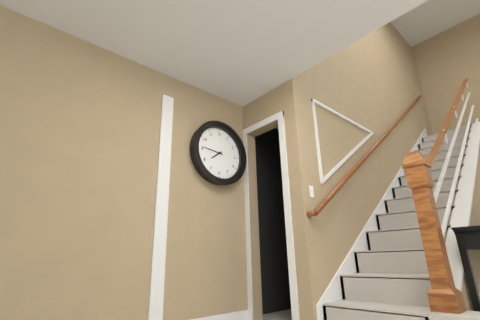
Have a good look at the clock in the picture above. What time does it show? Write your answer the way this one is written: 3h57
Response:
7h46
